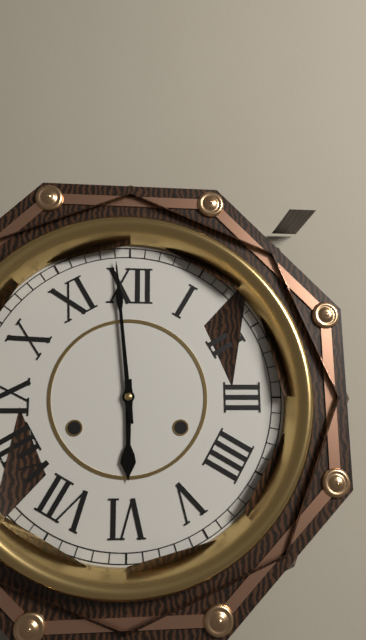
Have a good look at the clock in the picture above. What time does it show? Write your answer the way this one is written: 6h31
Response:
5h59
